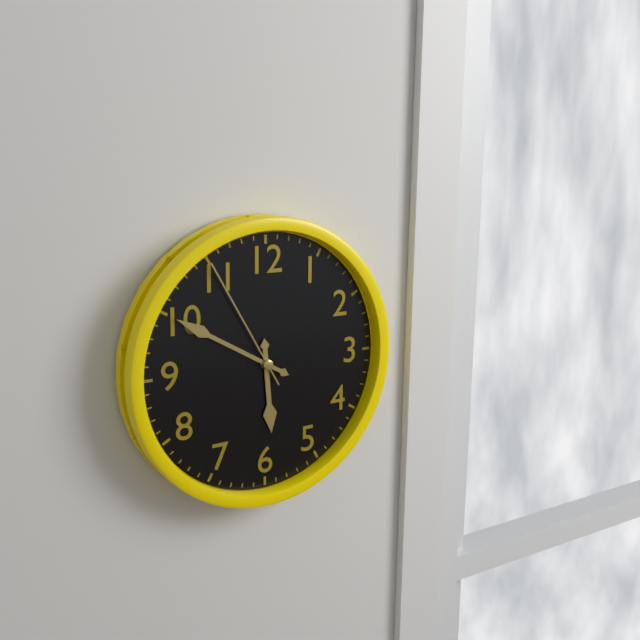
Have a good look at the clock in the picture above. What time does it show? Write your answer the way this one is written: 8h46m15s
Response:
5h50m55s
